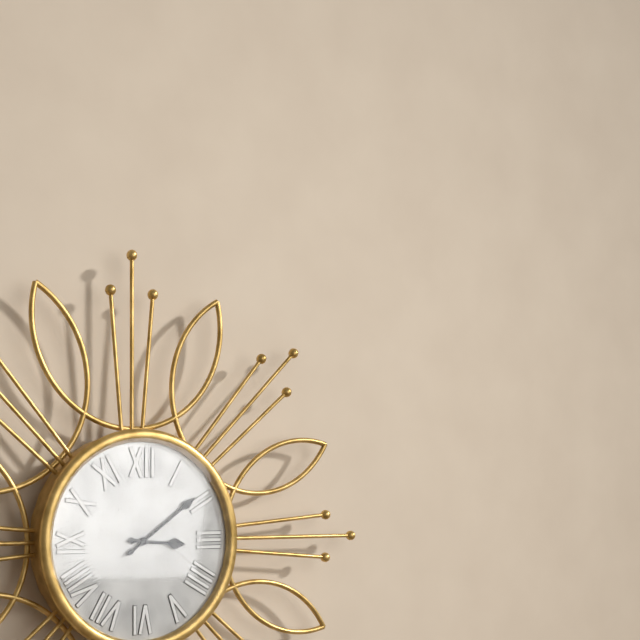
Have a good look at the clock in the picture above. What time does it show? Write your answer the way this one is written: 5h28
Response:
3h09
